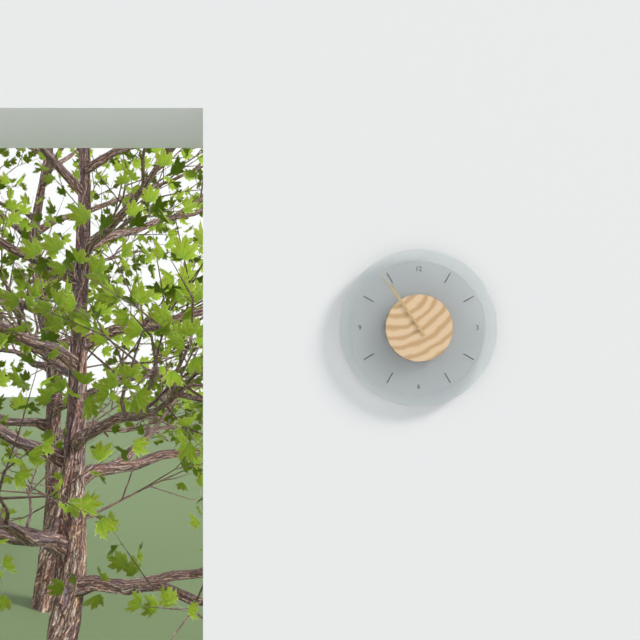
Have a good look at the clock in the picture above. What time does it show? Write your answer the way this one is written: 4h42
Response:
10h54
